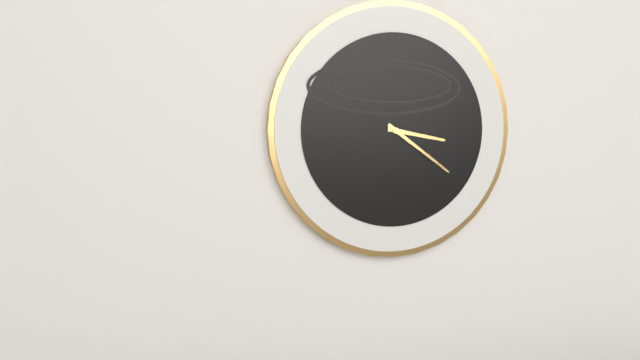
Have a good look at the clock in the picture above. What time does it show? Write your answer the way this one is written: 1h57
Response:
3h21
